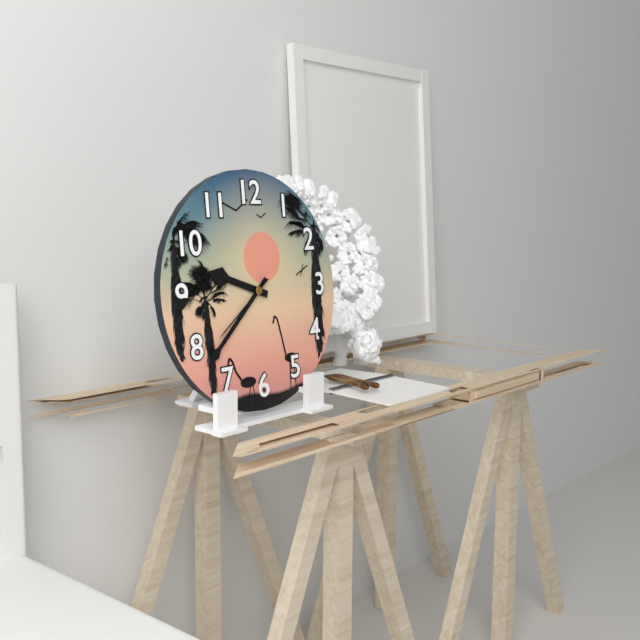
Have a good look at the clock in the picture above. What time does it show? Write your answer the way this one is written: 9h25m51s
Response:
9h38m39s
